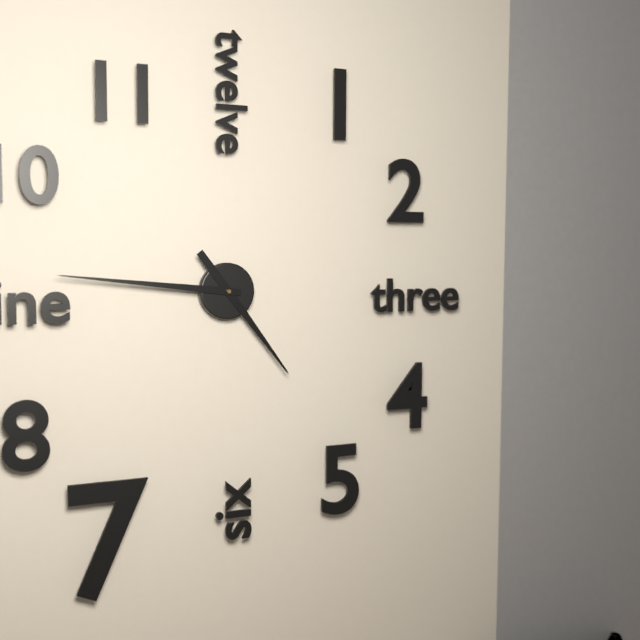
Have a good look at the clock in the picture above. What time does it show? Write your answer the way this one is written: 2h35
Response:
4h46
